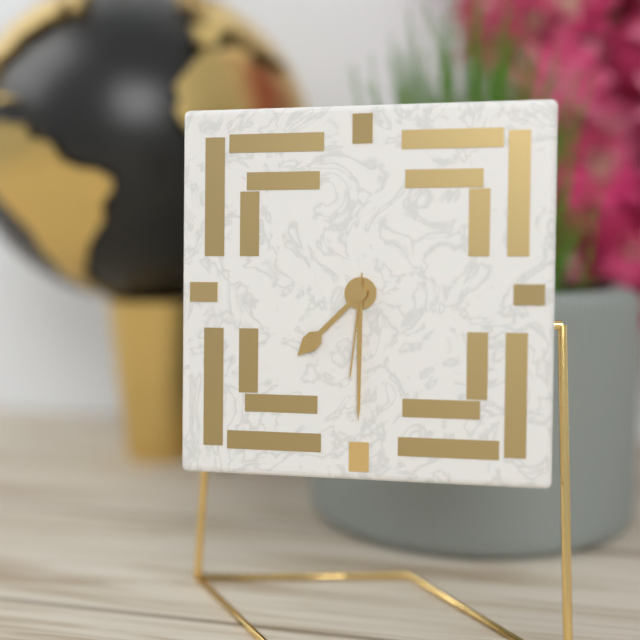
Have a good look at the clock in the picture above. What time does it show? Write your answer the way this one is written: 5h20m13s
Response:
7h30m31s
